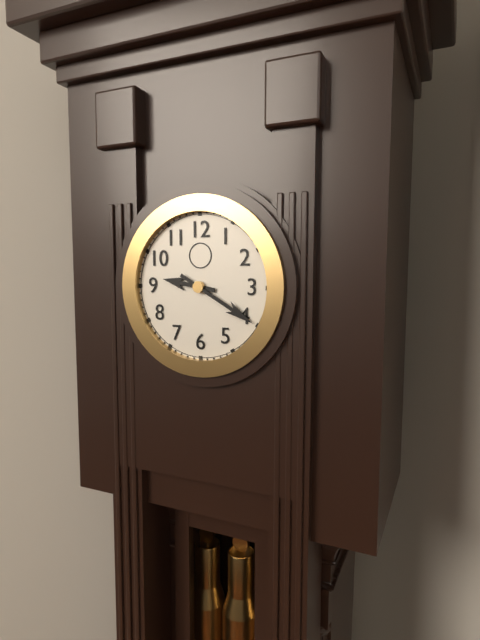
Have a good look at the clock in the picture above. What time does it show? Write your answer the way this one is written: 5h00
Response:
9h20
